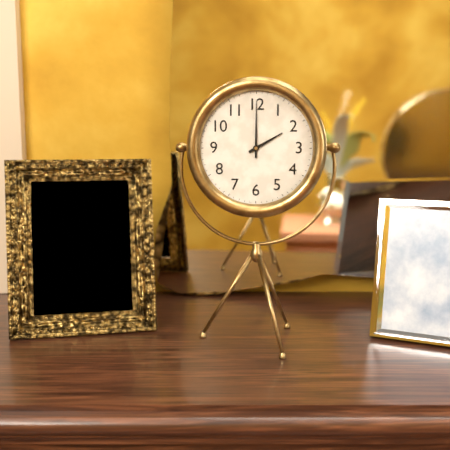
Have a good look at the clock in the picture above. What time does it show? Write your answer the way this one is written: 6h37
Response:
2h00
